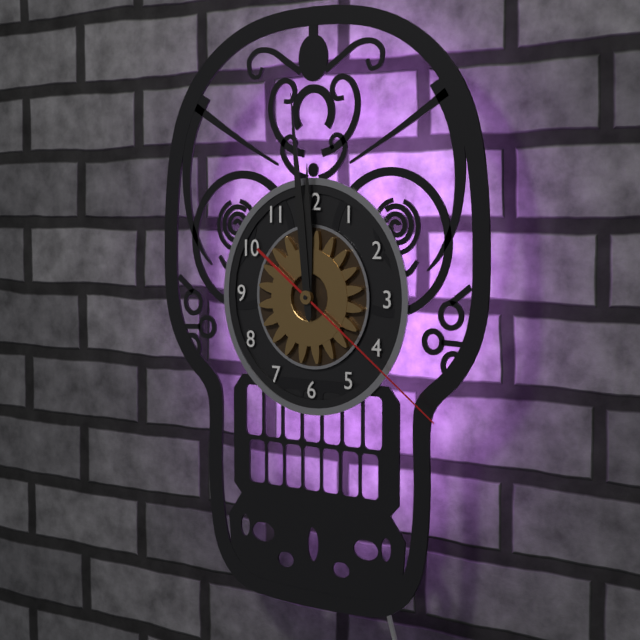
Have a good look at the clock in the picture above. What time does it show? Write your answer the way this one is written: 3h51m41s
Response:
11h59m21s
